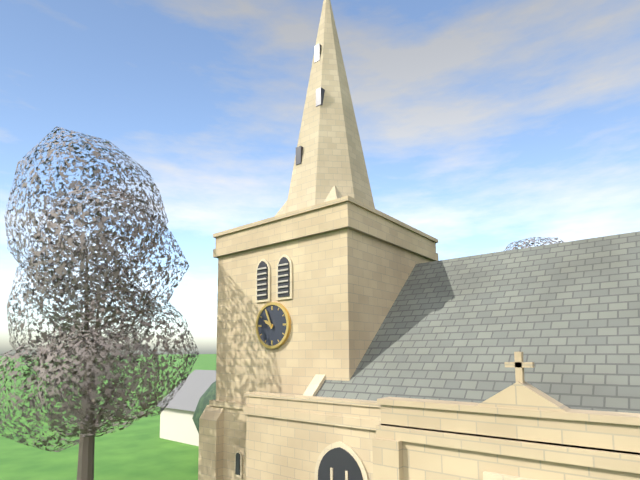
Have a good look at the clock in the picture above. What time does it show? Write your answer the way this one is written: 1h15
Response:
9h56
